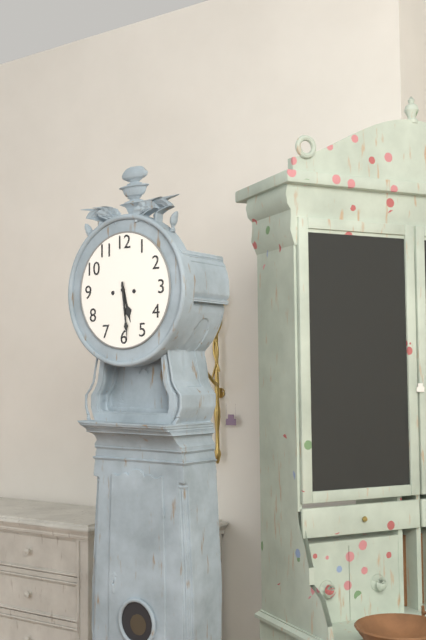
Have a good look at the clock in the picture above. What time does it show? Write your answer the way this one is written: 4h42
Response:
5h29
